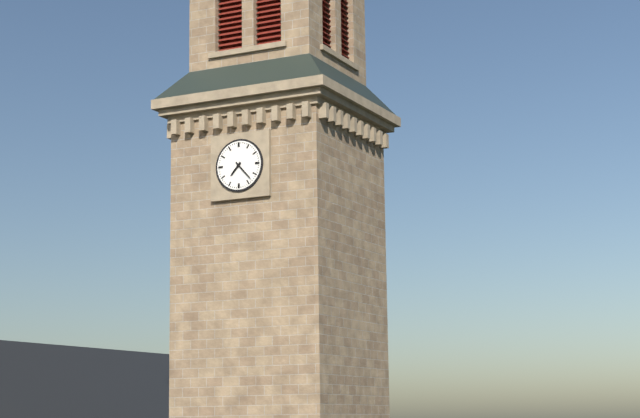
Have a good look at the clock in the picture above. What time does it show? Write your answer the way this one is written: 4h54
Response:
7h23
